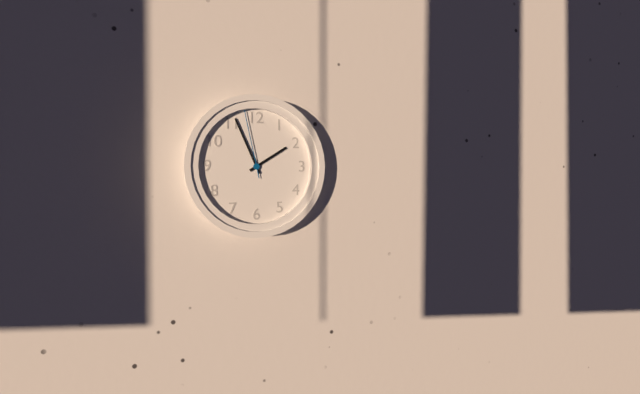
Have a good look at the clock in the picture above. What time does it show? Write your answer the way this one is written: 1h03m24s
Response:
1h56m58s
